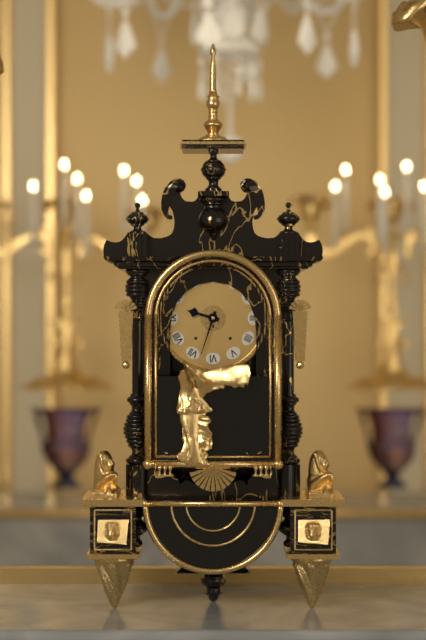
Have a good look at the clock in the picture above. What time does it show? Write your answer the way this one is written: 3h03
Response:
9h33
